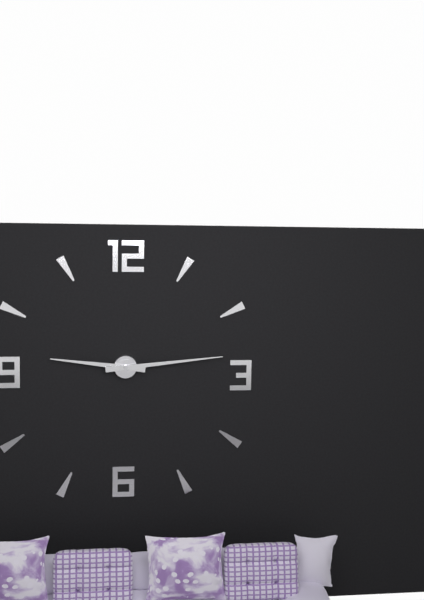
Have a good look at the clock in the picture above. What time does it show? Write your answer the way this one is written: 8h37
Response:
9h14
